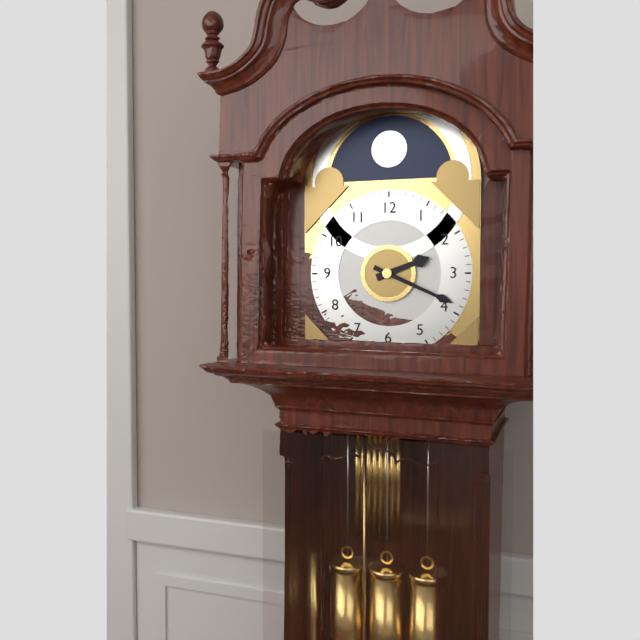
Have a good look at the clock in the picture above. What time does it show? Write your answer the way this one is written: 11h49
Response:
2h19
